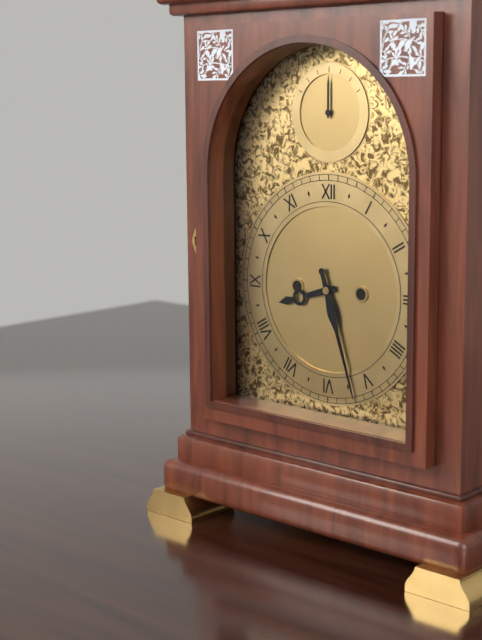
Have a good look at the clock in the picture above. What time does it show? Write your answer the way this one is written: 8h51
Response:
8h27
